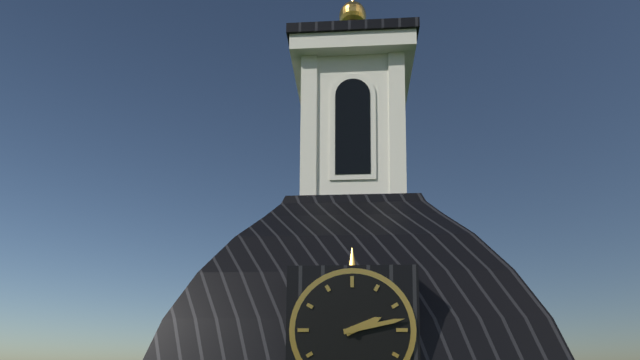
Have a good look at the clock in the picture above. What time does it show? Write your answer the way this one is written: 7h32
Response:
2h13
